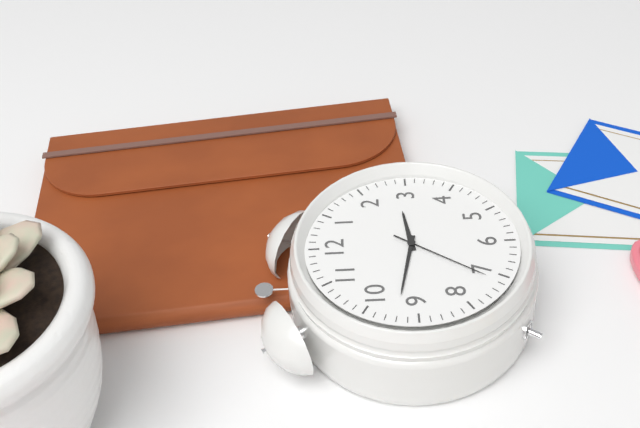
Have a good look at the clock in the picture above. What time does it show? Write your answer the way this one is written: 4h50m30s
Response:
2h47m36s
